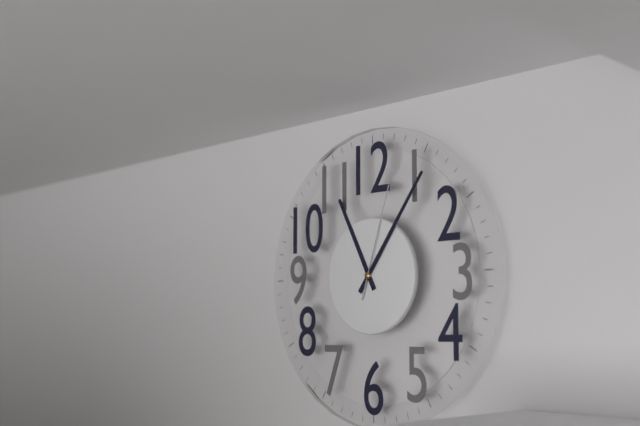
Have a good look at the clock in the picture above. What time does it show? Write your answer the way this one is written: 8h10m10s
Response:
11h06m03s
